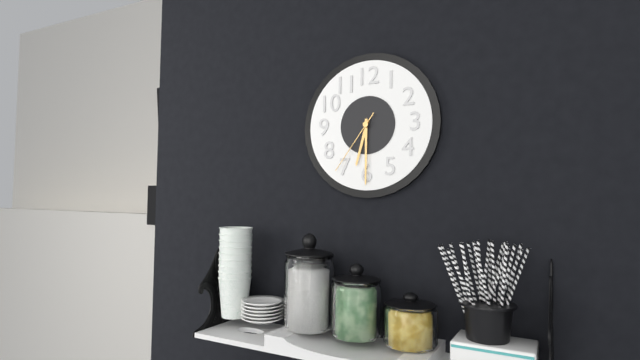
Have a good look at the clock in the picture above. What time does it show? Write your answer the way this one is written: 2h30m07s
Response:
6h30m36s
